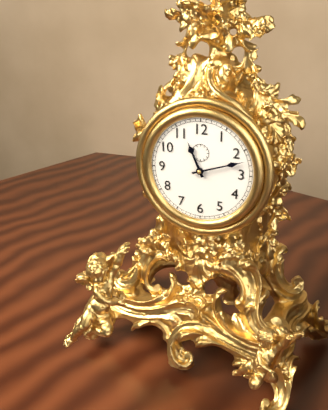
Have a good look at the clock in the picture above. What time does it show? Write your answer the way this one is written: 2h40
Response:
11h12
